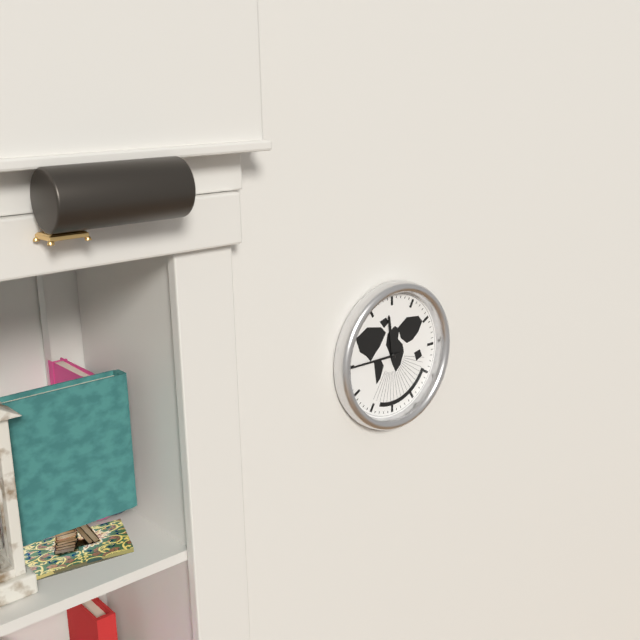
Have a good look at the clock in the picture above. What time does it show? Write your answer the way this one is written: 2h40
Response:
11h45
